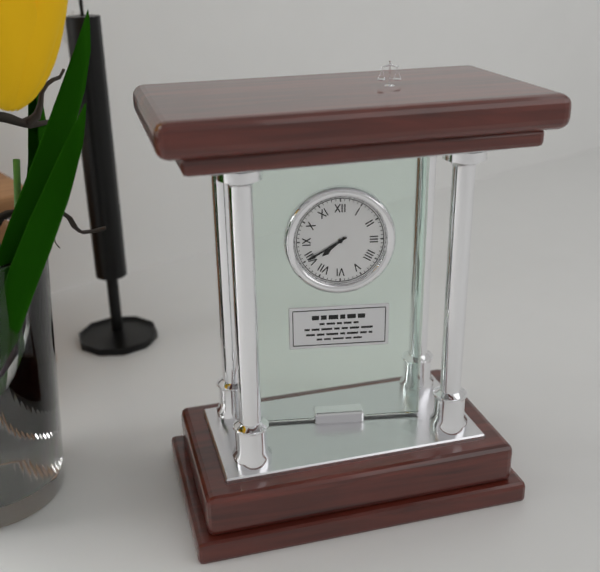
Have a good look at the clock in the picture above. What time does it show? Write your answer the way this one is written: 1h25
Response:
7h40
